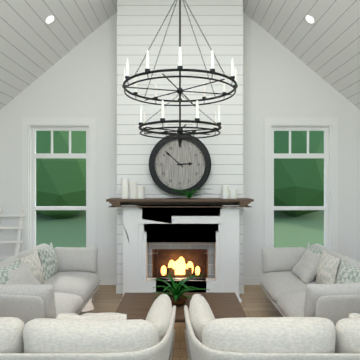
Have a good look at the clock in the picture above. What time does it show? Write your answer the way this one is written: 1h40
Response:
2h52
